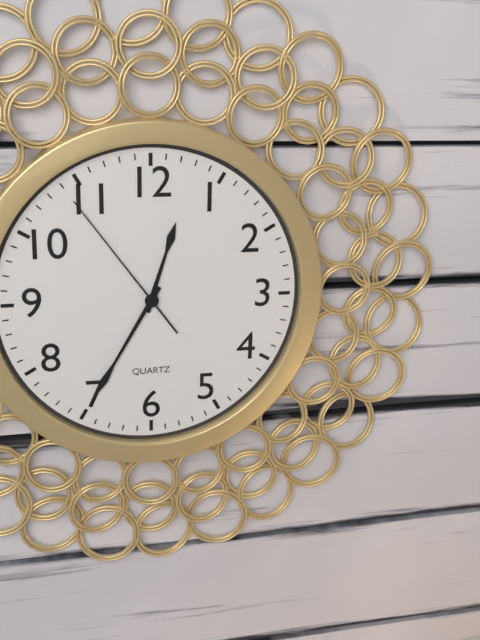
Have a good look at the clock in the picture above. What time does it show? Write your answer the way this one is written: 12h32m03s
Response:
12h35m54s
